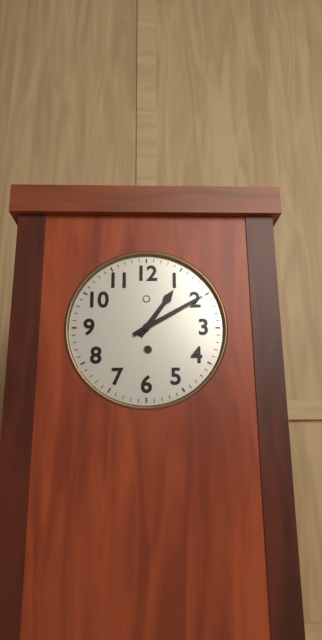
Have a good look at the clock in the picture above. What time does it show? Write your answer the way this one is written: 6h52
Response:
1h10
